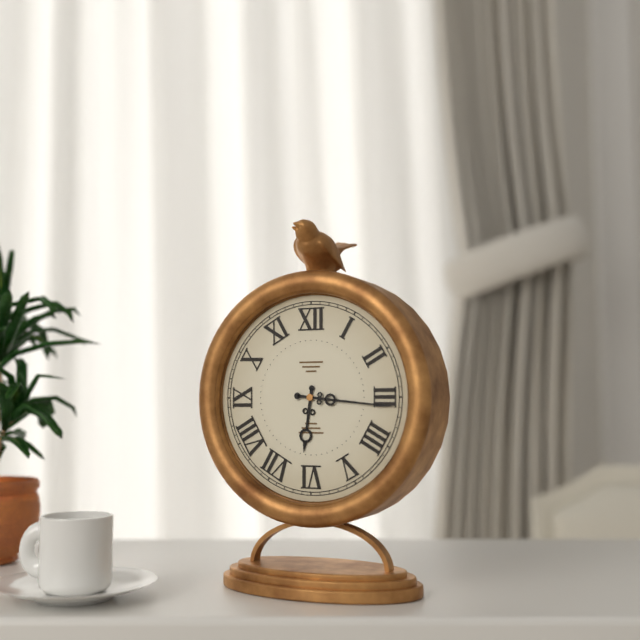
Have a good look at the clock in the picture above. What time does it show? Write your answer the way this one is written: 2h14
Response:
6h16
